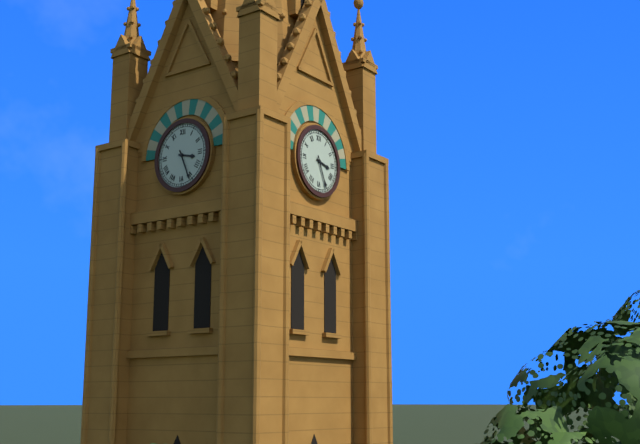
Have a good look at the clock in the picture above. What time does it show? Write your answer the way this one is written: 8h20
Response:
3h26
